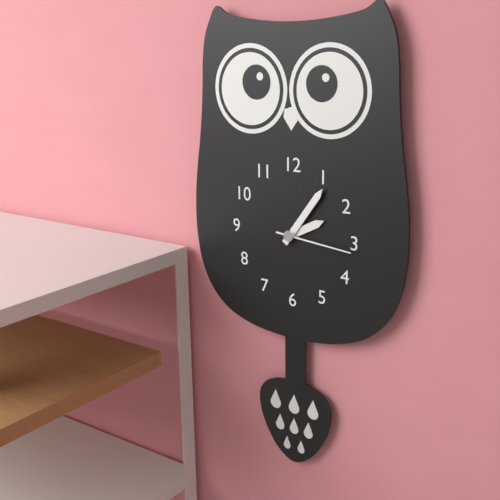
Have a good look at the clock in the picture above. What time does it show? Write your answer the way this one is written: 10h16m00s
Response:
2h06m16s
